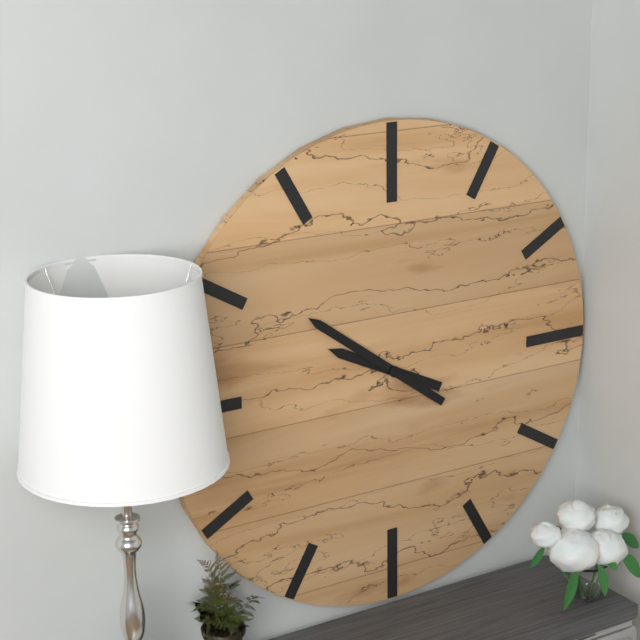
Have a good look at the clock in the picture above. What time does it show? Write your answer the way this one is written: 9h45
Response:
9h51
